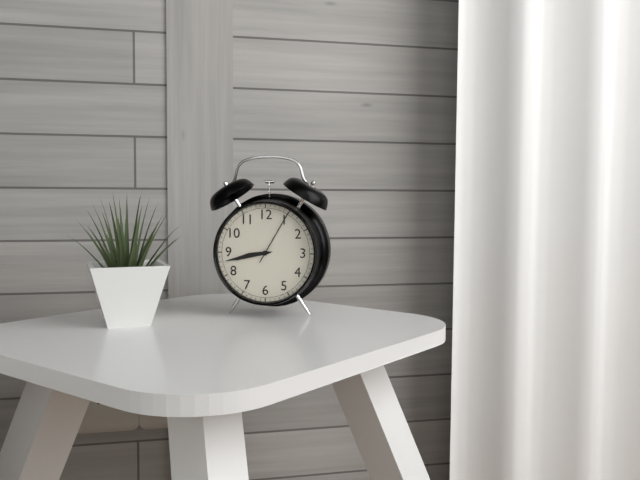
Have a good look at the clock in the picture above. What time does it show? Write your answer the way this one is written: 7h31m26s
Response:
8h43m05s
